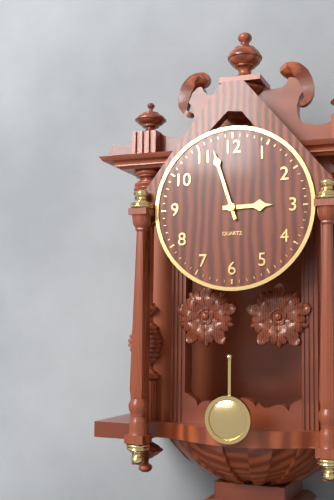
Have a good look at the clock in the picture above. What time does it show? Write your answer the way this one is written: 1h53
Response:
2h57
